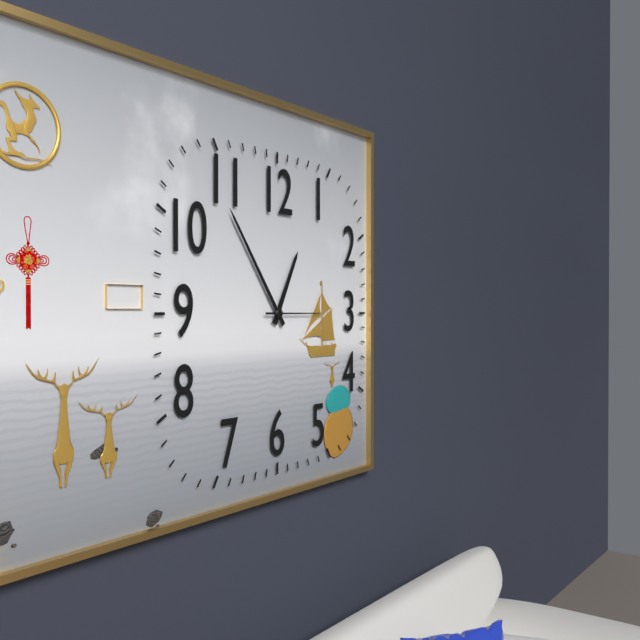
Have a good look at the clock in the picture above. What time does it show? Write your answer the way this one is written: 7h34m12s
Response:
12h54m15s
